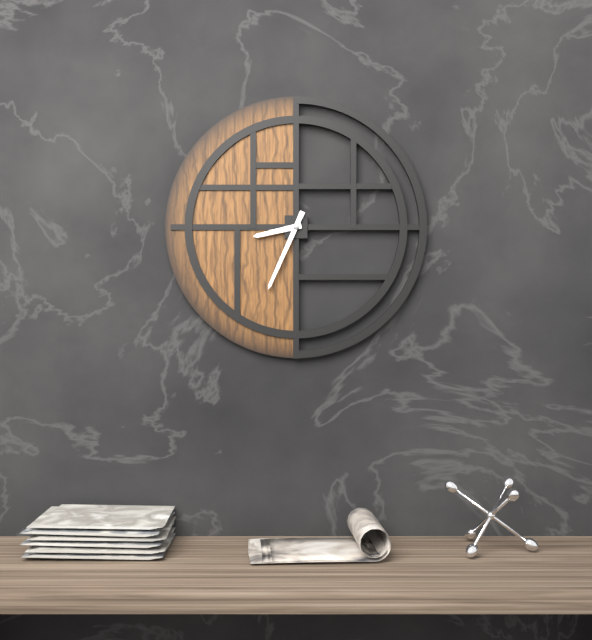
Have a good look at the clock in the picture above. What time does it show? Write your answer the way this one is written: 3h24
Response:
8h34
